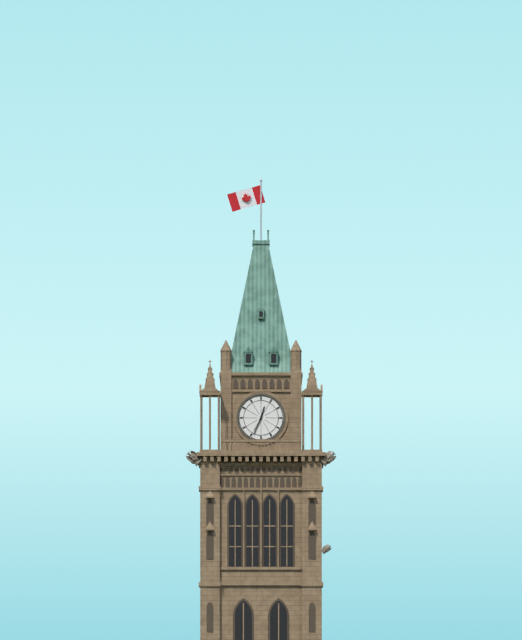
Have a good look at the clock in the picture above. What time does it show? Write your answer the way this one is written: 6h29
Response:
12h34
